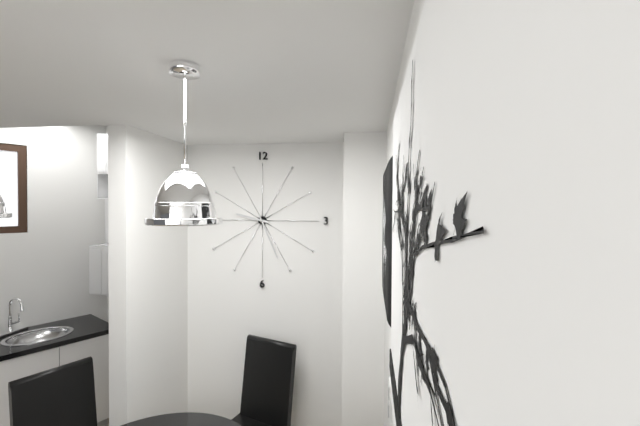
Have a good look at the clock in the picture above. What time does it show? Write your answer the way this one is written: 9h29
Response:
9h26
